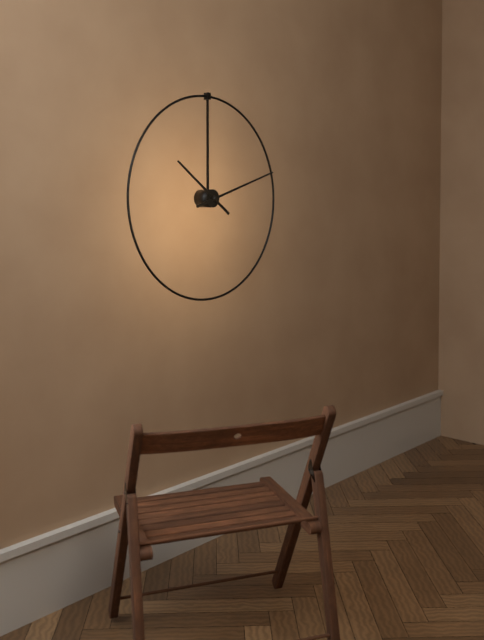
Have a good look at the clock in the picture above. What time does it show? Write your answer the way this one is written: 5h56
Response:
10h12
